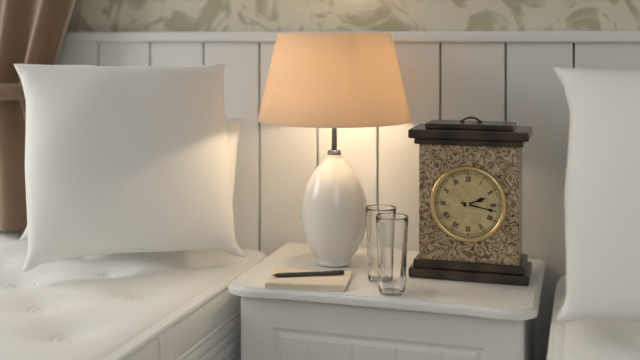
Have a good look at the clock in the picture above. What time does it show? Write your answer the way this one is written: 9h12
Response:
2h17
